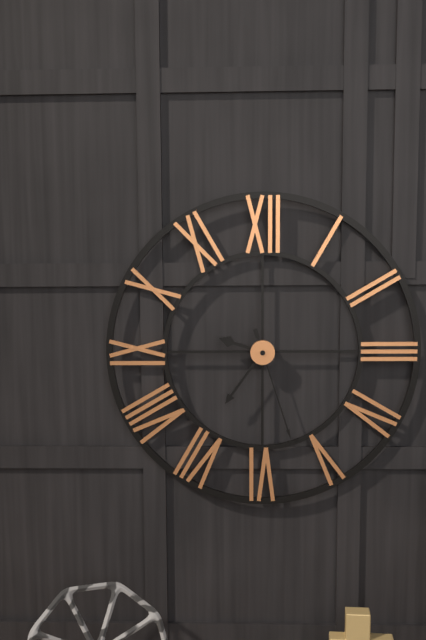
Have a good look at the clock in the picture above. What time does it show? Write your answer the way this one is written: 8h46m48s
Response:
9h36m27s
